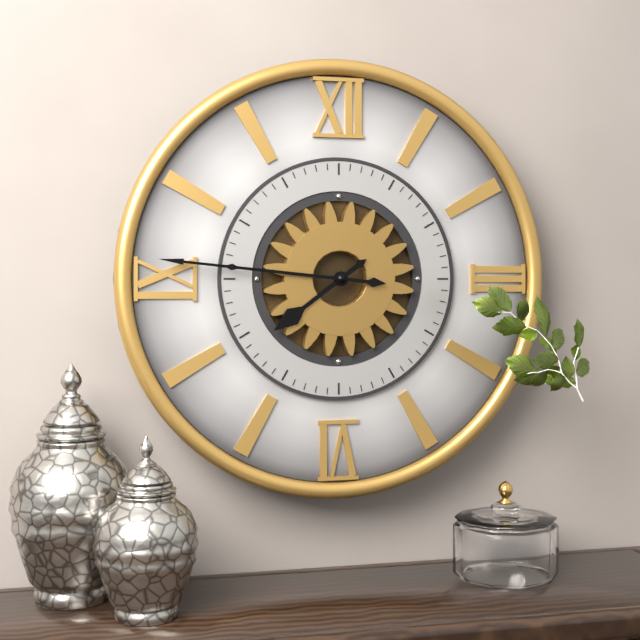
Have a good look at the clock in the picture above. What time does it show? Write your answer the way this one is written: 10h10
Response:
7h46
